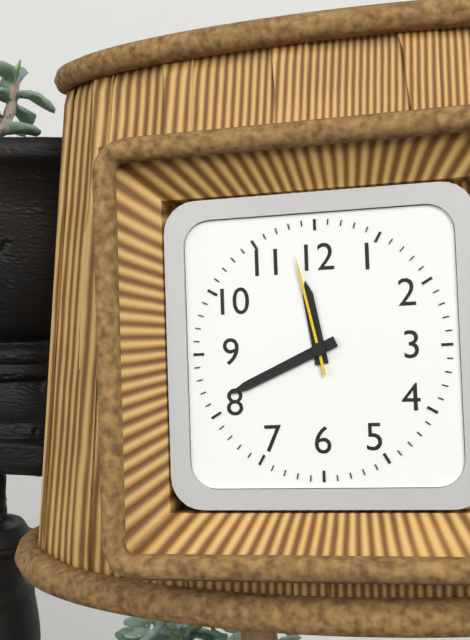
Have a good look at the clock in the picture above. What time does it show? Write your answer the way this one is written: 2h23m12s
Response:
11h41m58s
